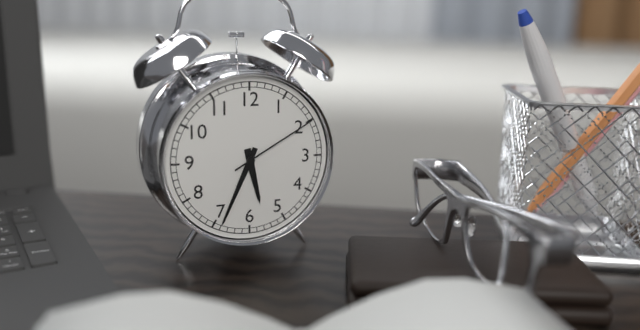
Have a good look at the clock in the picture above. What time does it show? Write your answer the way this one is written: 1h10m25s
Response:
5h34m10s
